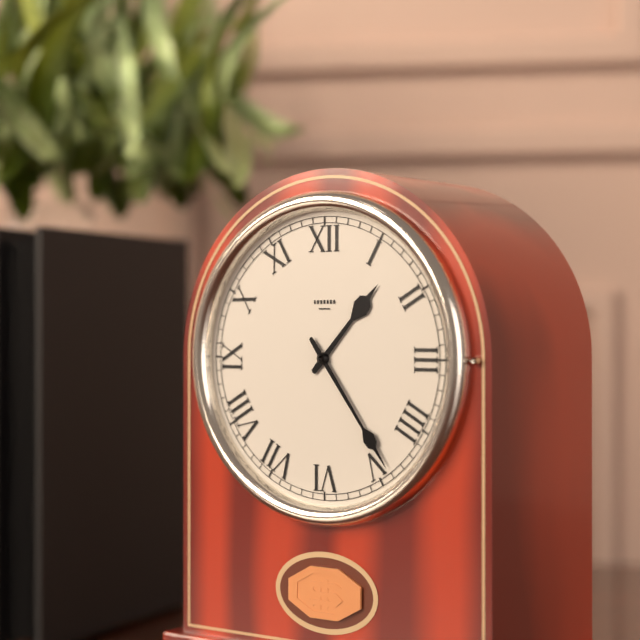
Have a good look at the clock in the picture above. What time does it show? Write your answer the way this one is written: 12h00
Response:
1h24
